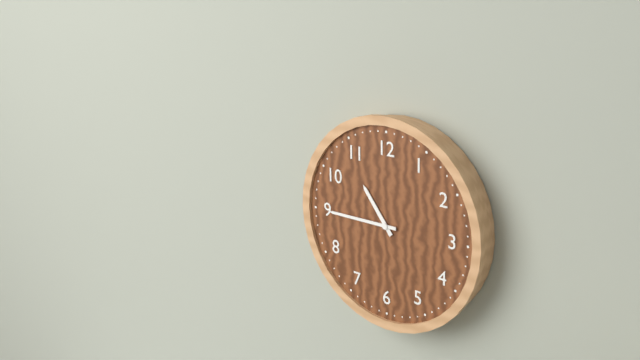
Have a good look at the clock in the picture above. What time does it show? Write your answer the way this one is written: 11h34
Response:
10h45
